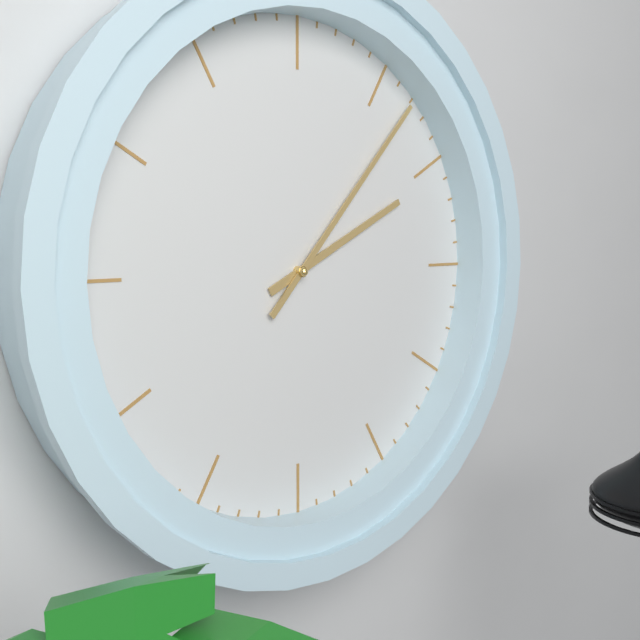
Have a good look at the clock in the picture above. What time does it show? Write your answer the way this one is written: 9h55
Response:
2h07
